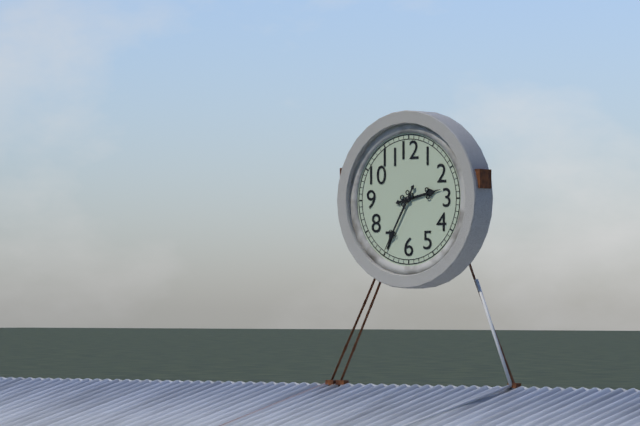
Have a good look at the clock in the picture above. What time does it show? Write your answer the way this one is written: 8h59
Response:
2h35
